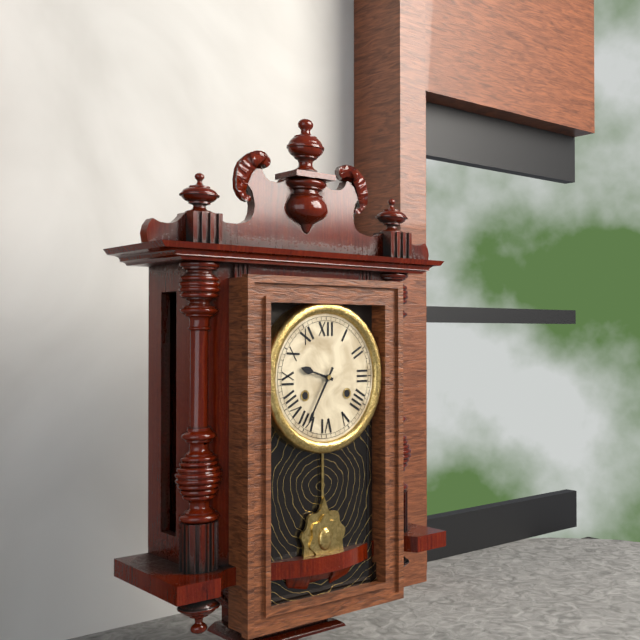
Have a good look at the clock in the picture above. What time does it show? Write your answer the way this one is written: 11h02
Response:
9h35
